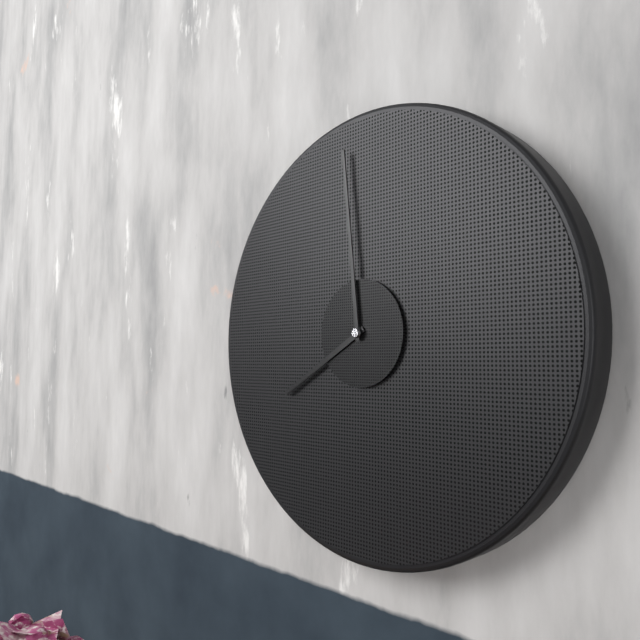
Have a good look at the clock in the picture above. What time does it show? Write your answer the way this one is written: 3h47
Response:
7h59
